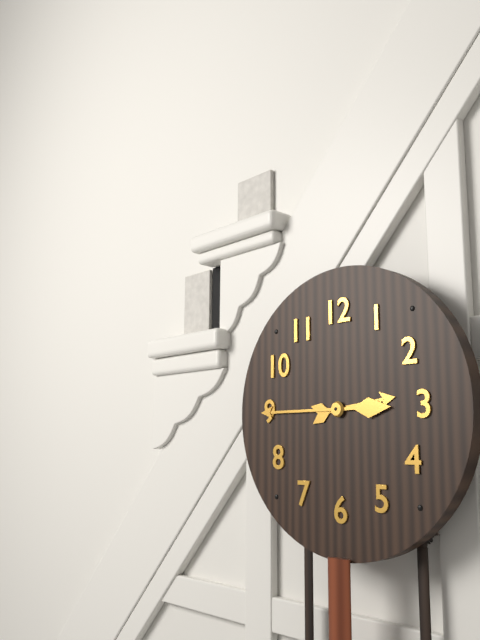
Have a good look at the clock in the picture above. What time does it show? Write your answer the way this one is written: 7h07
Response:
2h45
